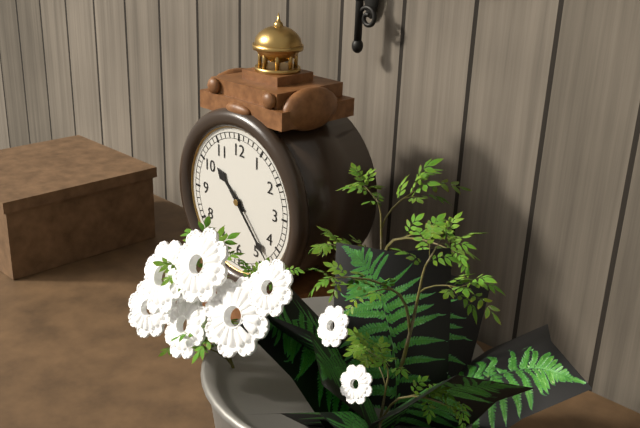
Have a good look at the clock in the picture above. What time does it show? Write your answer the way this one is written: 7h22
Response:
10h23
